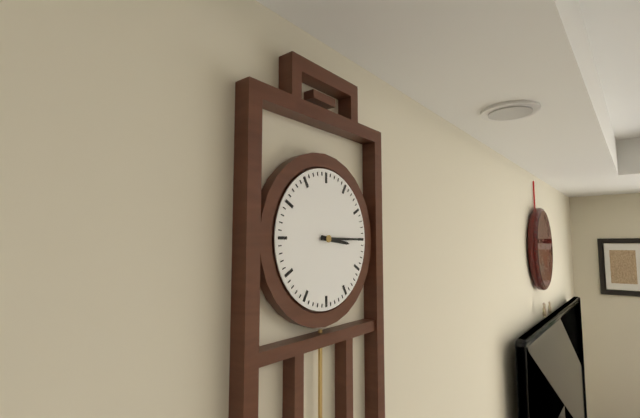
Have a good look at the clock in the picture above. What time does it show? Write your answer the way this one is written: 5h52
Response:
3h15
